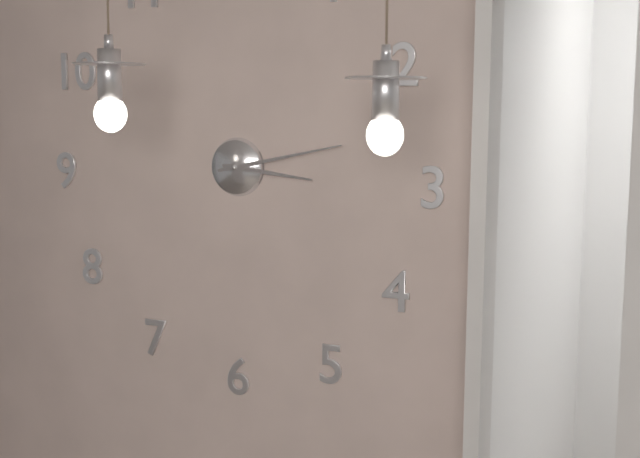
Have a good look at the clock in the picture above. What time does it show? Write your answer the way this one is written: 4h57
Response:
3h13
